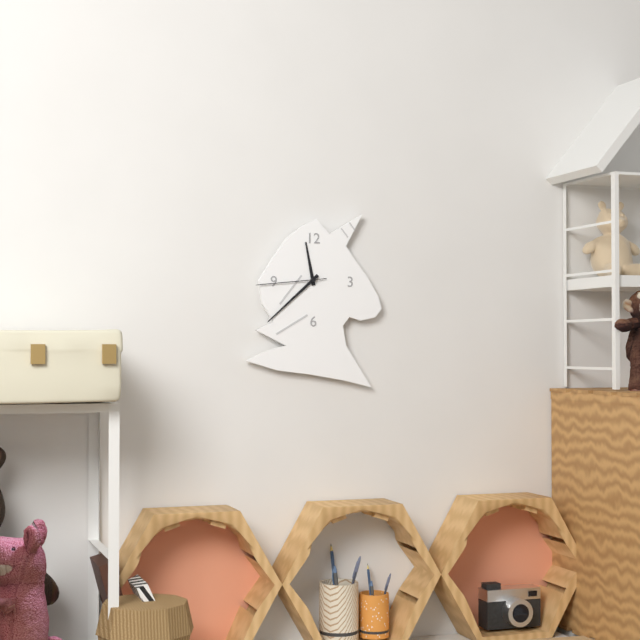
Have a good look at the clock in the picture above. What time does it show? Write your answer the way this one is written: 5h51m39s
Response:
11h38m44s
